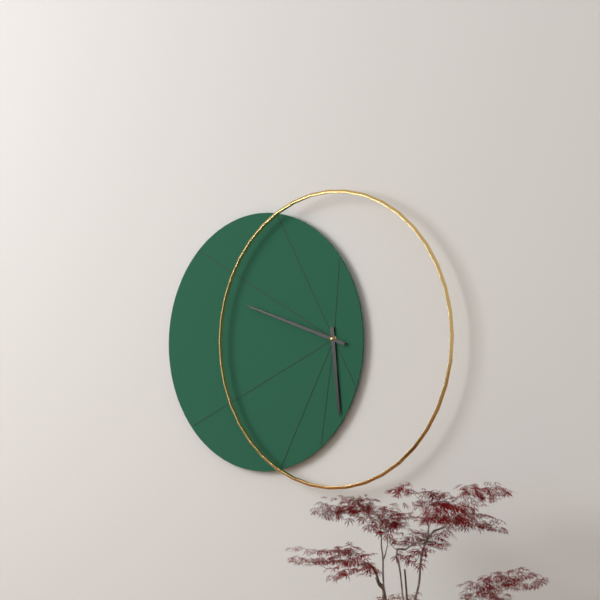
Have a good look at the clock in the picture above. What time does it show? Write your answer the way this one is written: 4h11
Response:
5h48
